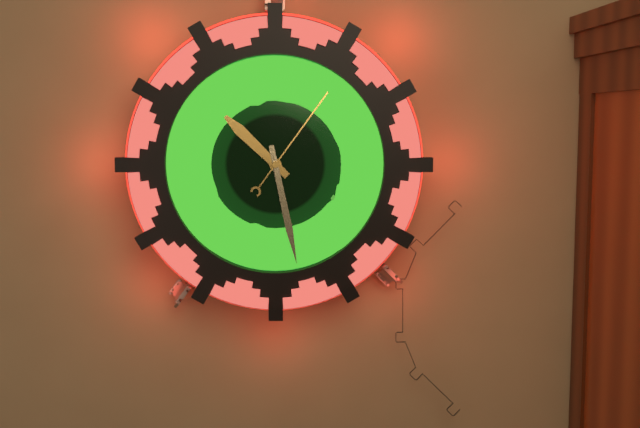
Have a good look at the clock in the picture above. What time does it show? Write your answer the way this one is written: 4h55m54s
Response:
10h28m06s
